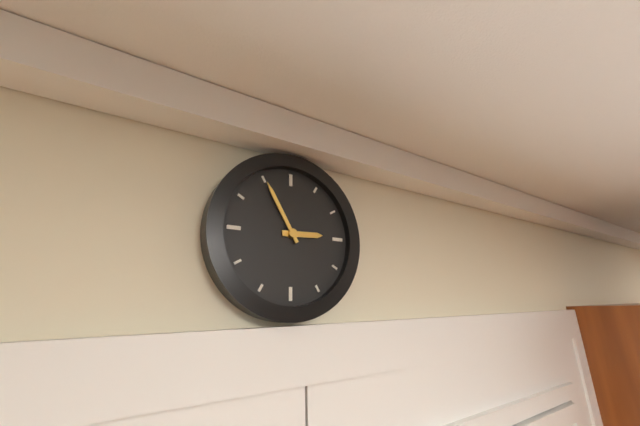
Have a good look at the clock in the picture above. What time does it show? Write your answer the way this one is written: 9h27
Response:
2h55
